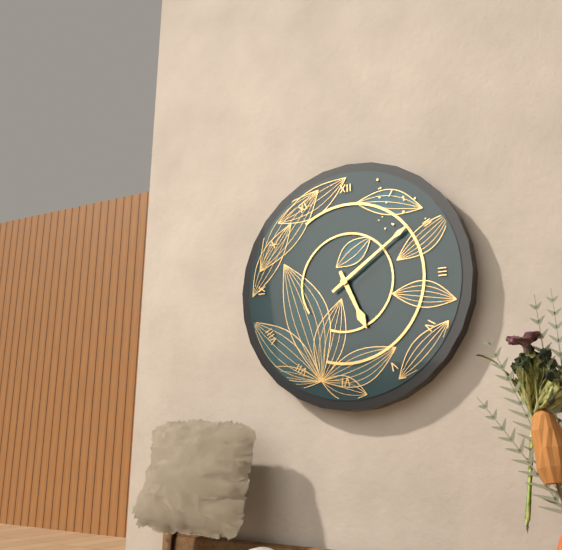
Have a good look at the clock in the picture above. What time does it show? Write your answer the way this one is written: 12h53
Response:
5h09
